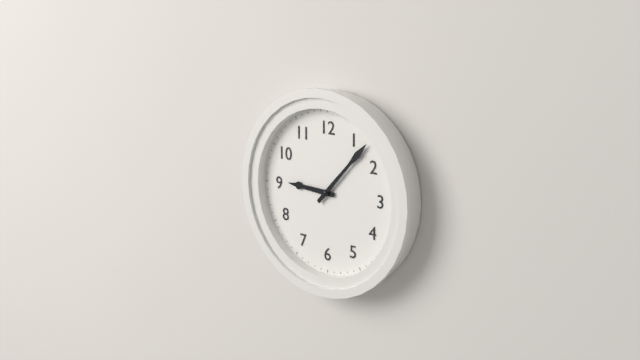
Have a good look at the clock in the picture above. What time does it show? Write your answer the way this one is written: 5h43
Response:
9h07
